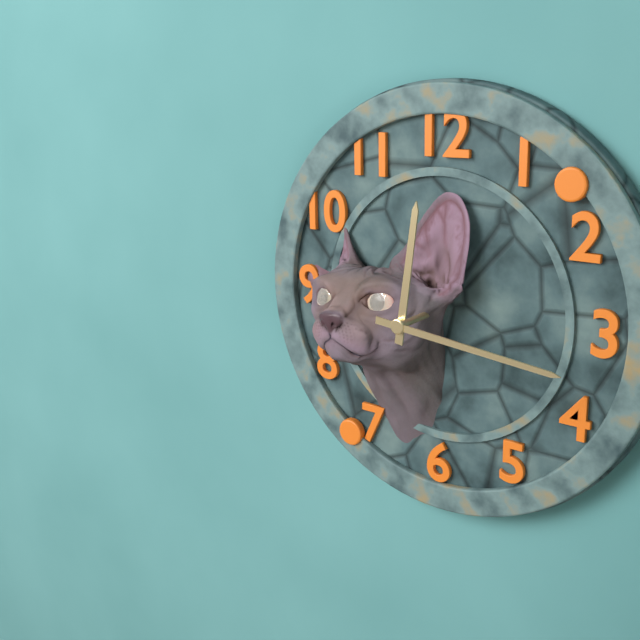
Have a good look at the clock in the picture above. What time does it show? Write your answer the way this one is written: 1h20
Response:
12h16
